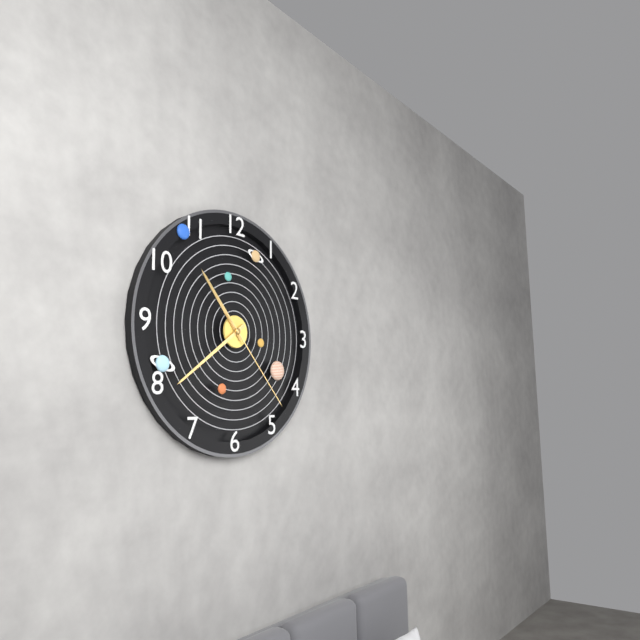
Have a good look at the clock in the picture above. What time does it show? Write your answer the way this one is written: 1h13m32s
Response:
10h39m23s
